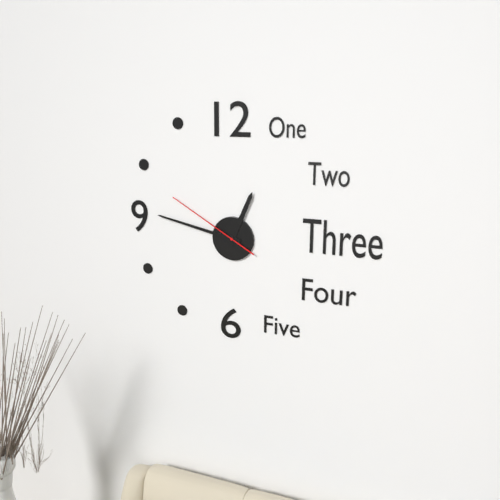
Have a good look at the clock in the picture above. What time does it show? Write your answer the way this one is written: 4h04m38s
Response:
12h47m50s
